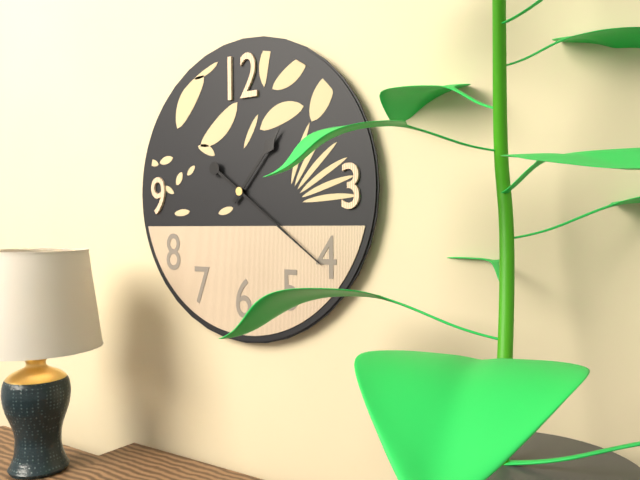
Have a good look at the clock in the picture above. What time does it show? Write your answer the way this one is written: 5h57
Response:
1h21
